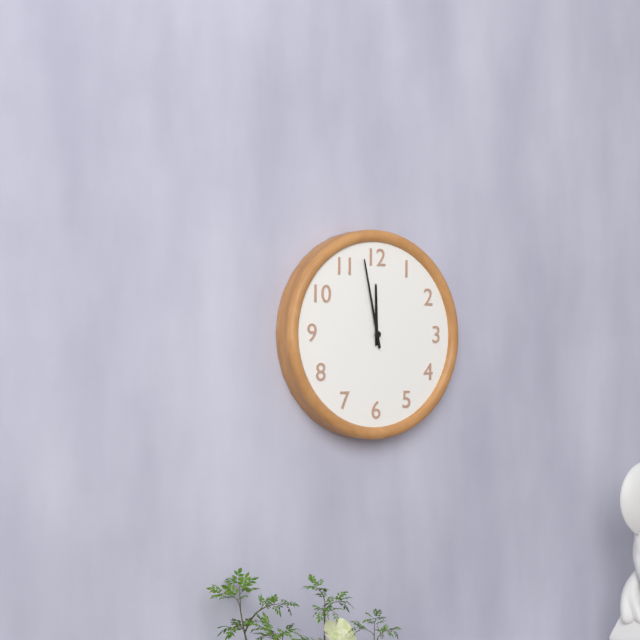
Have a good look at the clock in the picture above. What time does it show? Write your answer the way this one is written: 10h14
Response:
11h58
